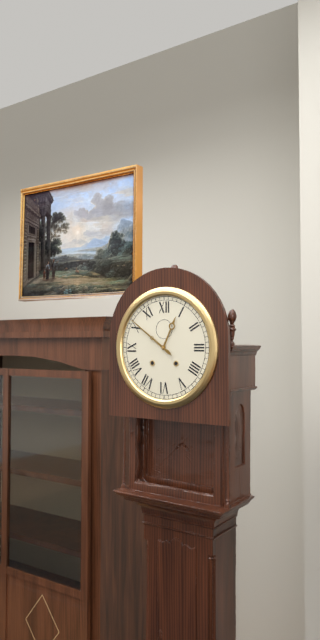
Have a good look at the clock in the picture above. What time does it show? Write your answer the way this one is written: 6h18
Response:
12h51
